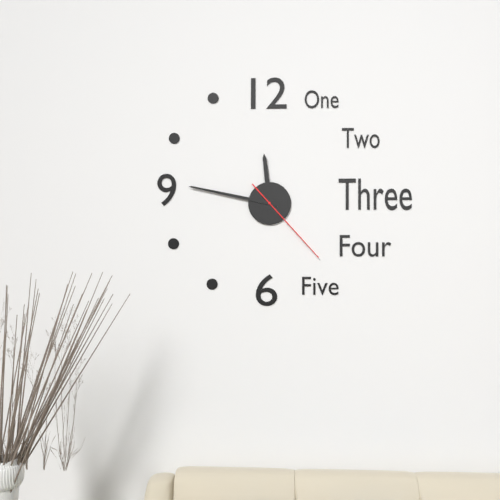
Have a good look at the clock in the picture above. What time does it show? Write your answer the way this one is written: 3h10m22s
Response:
11h47m23s
